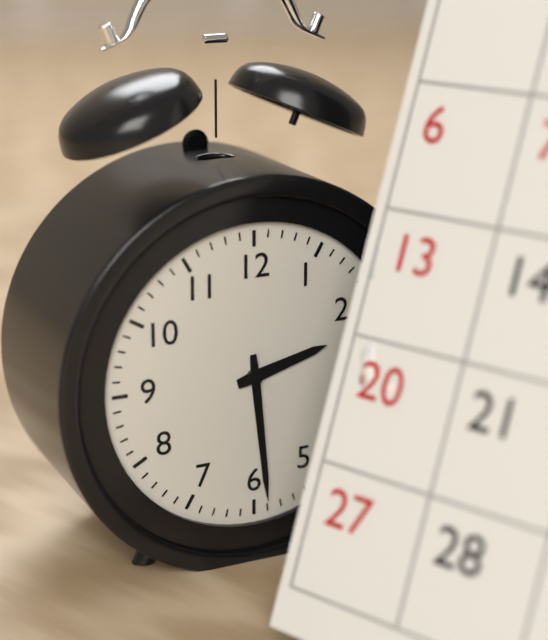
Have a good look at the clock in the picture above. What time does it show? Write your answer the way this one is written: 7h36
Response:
2h29
